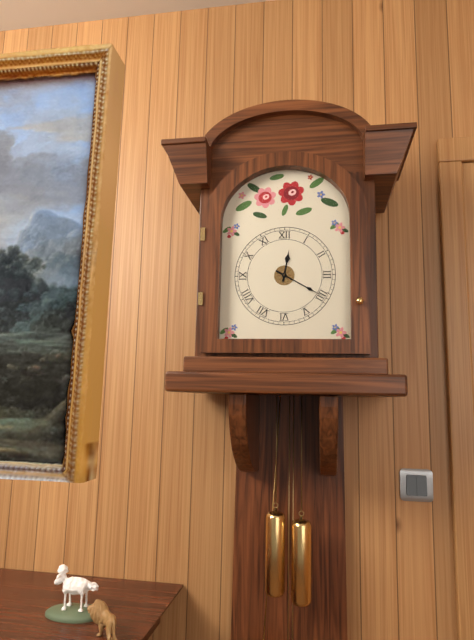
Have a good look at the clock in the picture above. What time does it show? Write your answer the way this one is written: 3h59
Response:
12h20
